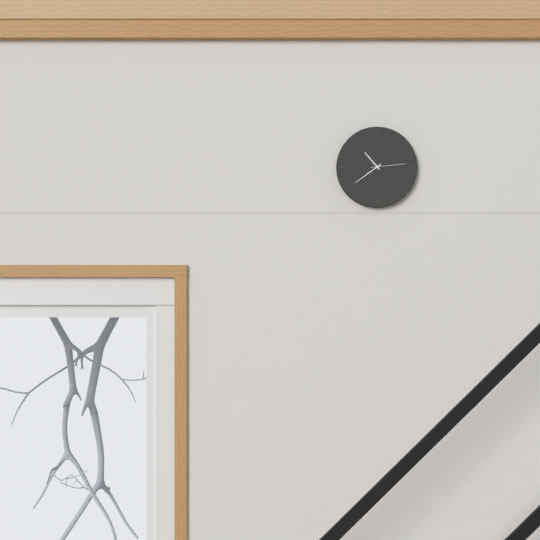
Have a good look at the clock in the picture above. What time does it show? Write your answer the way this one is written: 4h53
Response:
10h39
